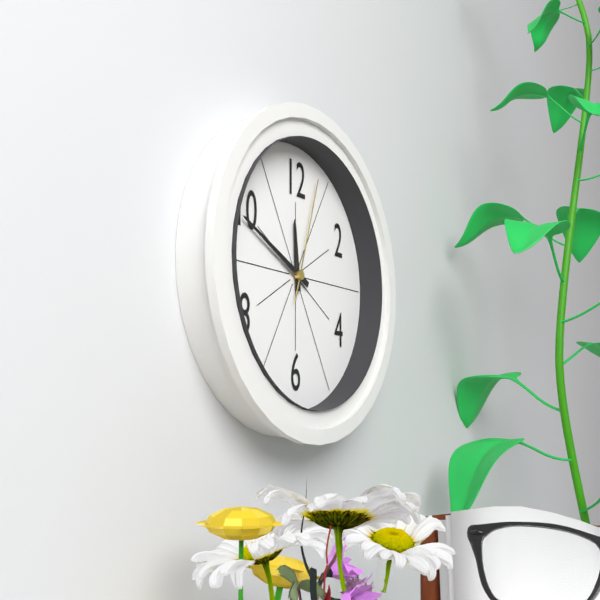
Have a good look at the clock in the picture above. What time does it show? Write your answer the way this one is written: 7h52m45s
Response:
11h49m03s
